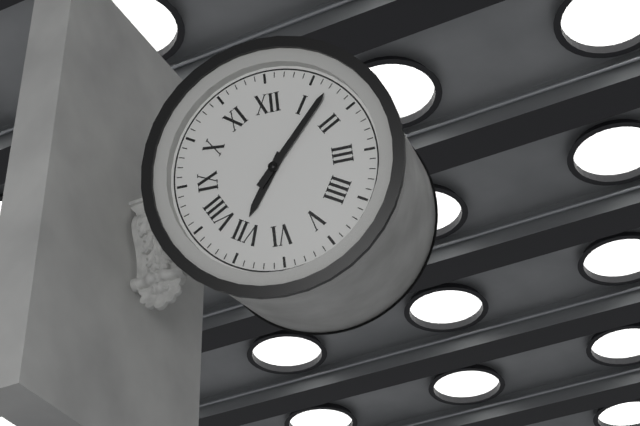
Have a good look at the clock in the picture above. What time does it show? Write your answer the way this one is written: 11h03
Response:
7h07
